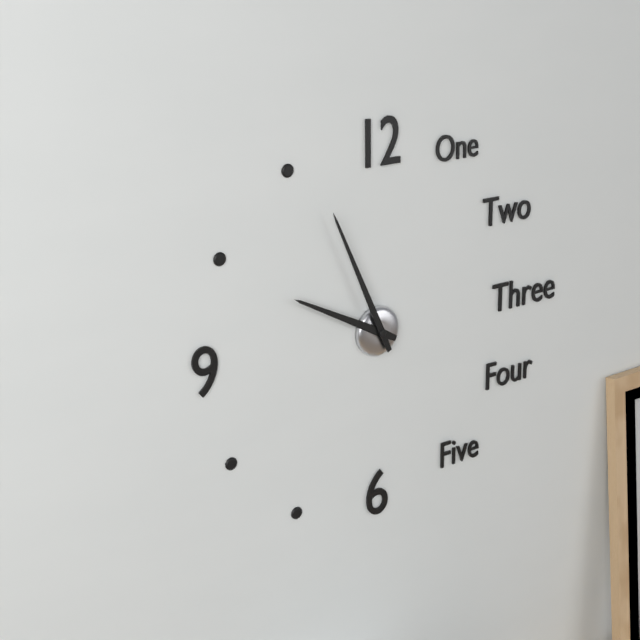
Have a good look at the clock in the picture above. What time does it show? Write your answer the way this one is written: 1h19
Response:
9h56
